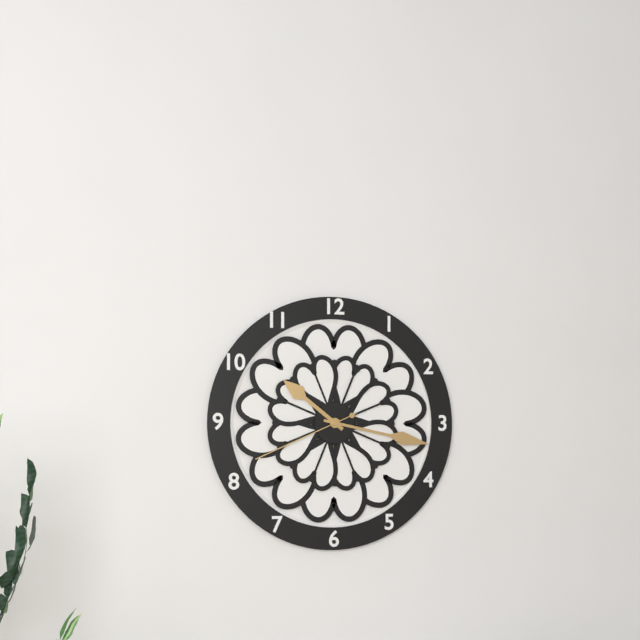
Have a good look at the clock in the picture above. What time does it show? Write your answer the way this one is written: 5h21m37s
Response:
10h17m41s
